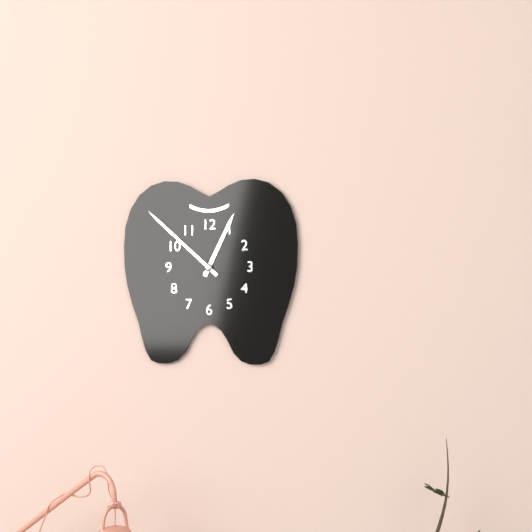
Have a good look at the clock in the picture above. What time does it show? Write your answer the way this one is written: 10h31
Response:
12h52
